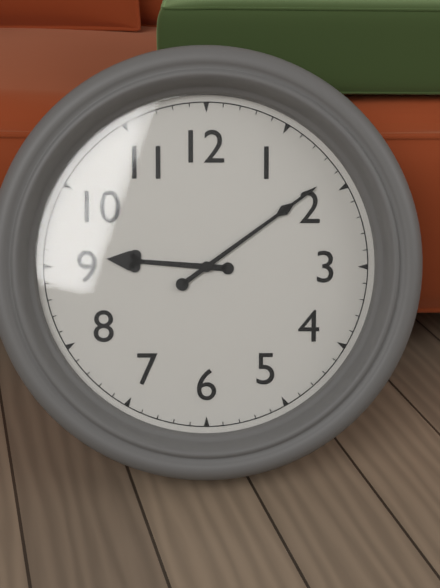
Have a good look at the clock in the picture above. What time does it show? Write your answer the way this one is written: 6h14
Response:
9h09
